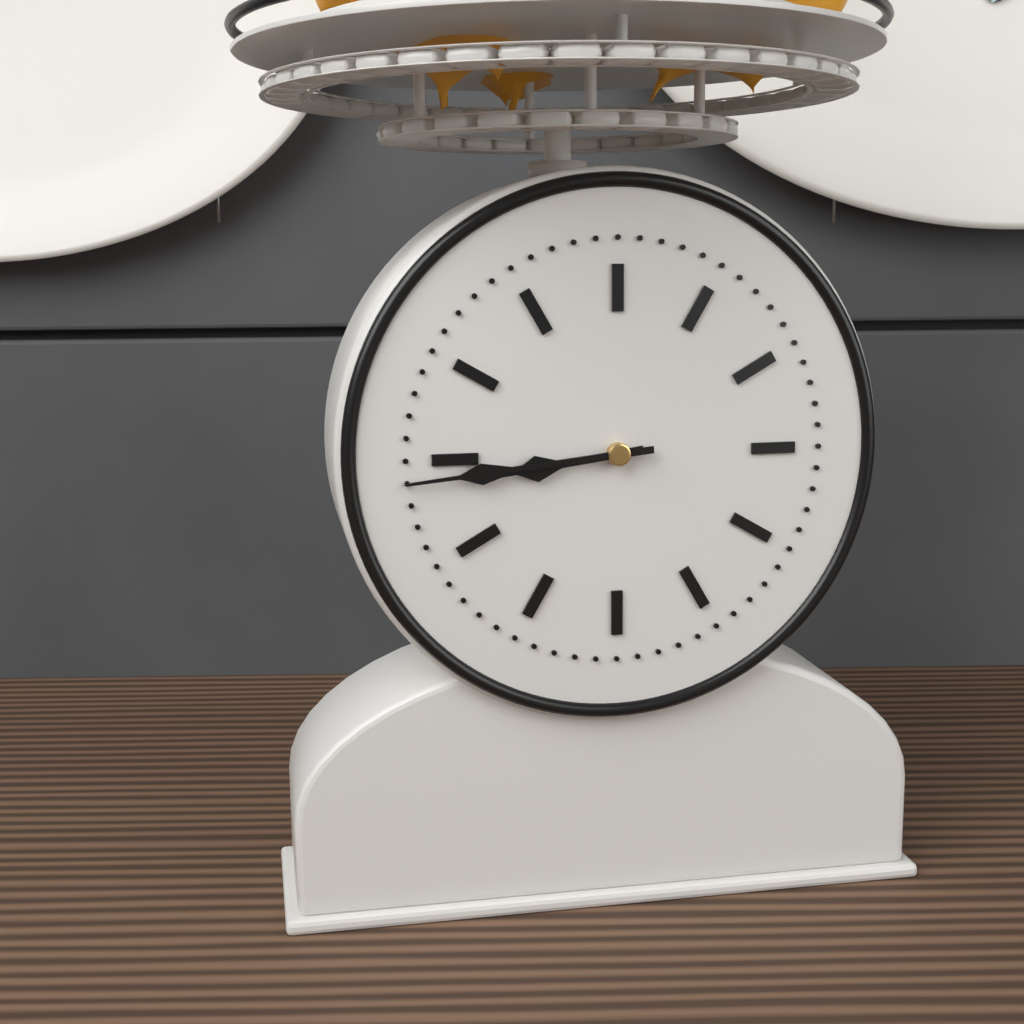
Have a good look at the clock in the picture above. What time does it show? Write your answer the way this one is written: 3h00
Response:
8h44
